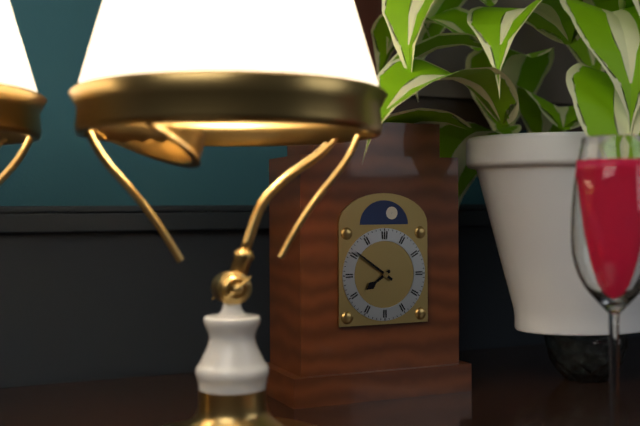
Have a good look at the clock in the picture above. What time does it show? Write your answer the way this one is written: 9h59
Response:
7h51
